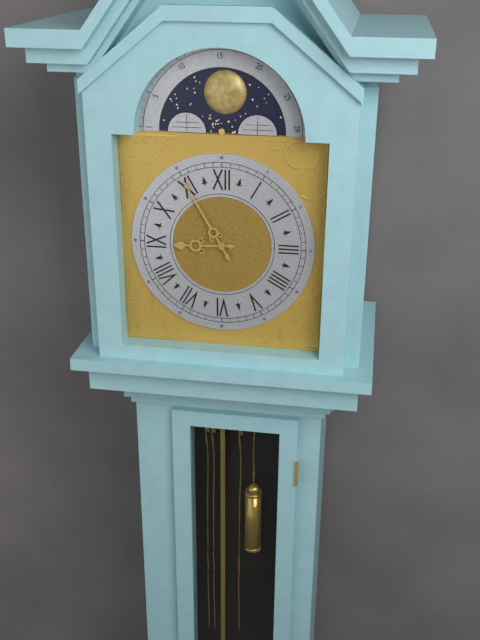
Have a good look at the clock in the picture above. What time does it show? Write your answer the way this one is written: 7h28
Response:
8h55
